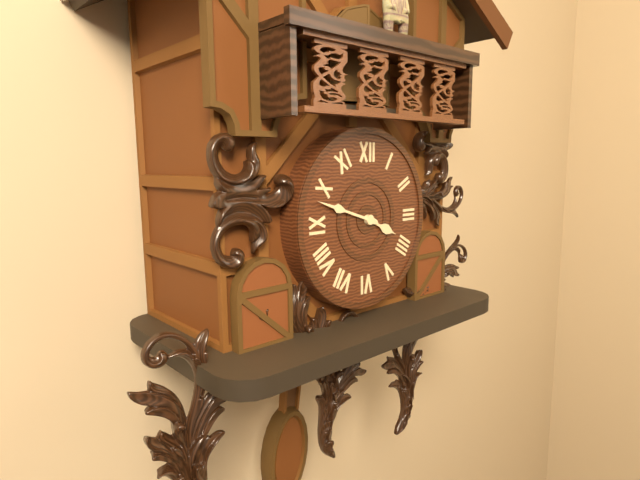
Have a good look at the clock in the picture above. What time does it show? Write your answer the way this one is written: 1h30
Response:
3h48
